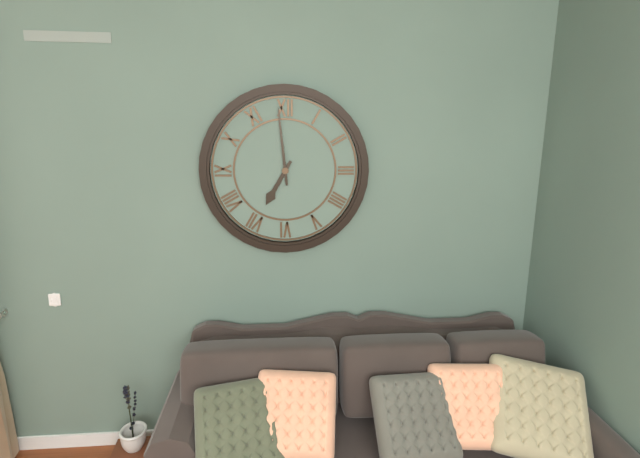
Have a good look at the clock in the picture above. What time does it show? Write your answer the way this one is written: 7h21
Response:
6h59
